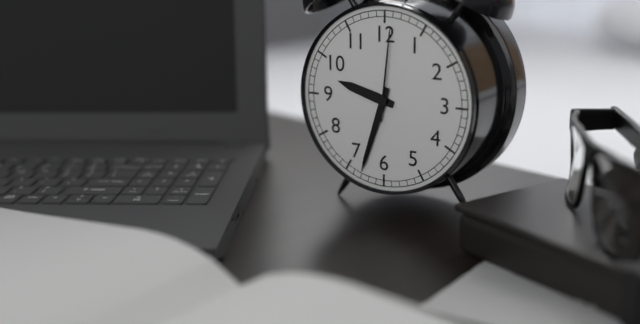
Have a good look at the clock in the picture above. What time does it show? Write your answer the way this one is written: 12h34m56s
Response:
9h33m01s
